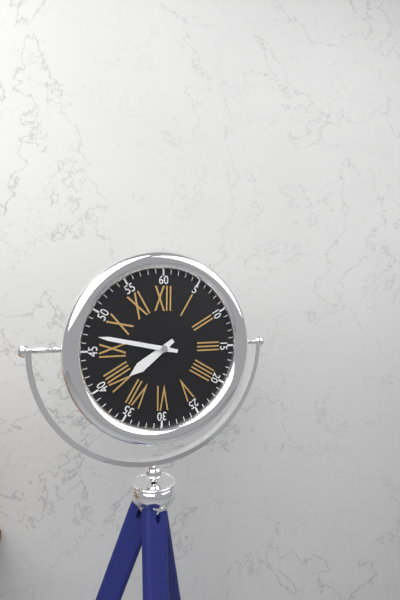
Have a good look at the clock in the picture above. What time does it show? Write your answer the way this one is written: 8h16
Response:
7h47
